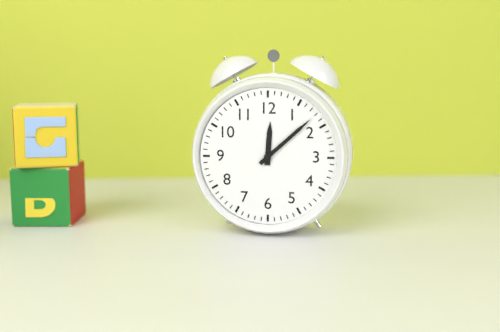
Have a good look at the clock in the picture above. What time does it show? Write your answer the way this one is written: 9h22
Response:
12h08
